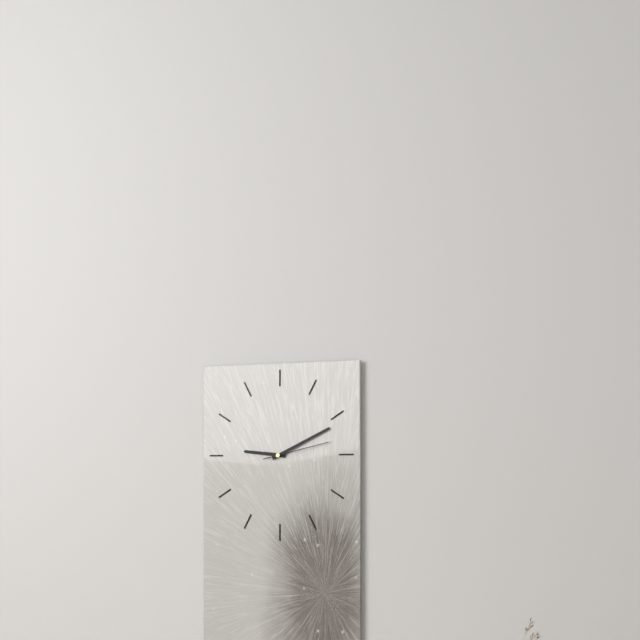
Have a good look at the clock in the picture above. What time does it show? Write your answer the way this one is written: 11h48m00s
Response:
9h11m13s
